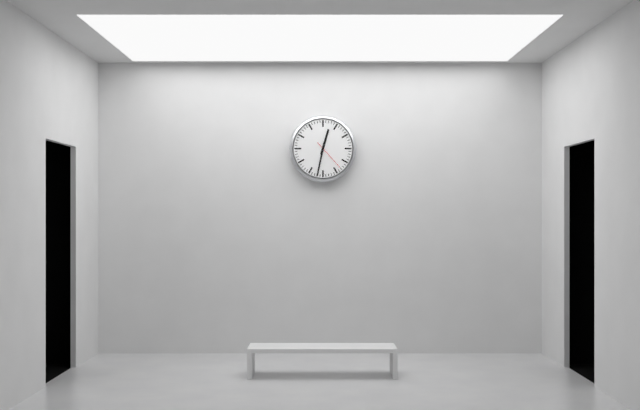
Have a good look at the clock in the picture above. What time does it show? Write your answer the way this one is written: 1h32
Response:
12h32
